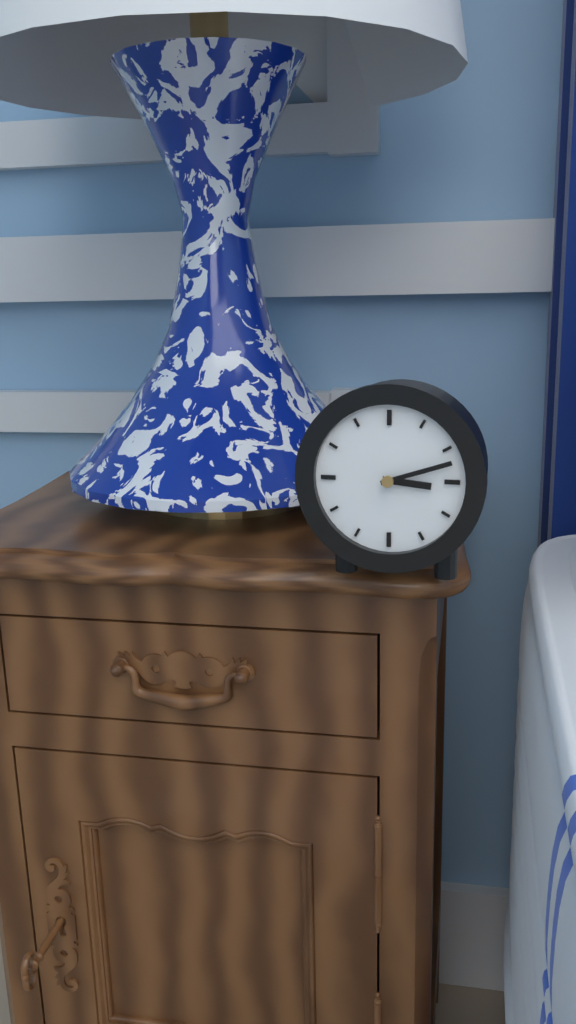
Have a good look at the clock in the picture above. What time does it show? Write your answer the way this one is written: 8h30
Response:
3h12
